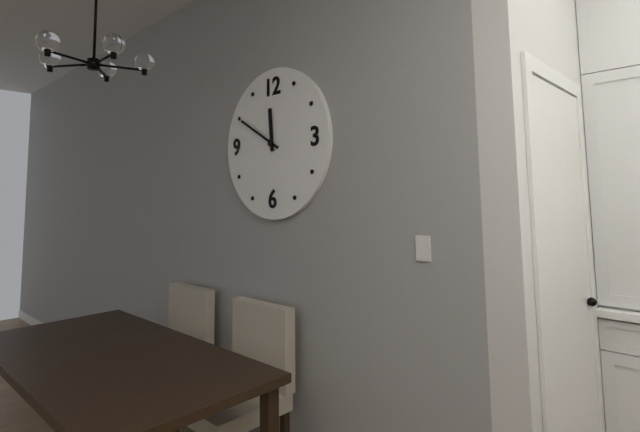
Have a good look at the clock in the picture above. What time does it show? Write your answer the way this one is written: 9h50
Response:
11h50
